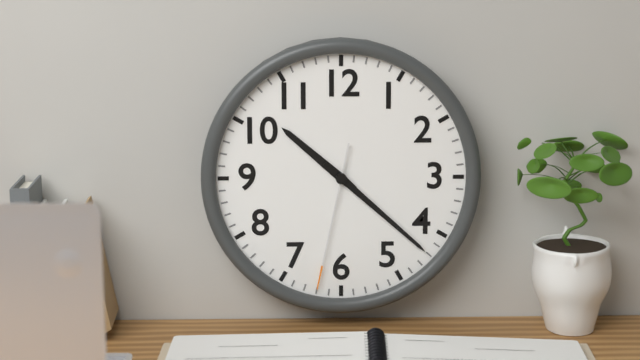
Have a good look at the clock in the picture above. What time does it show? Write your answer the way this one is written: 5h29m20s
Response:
10h22m32s
